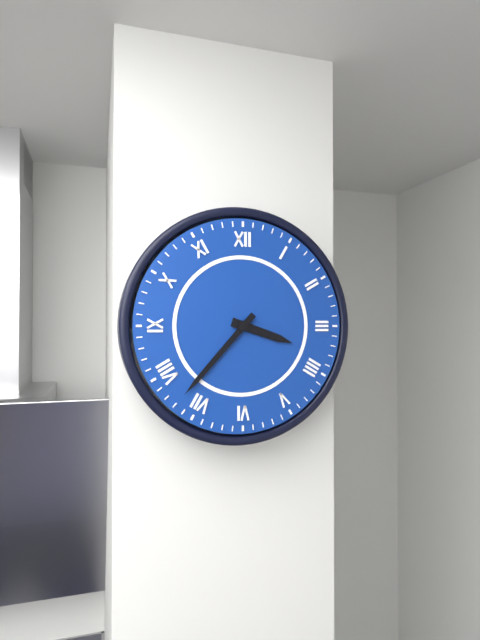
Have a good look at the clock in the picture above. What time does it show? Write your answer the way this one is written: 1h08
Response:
3h37
